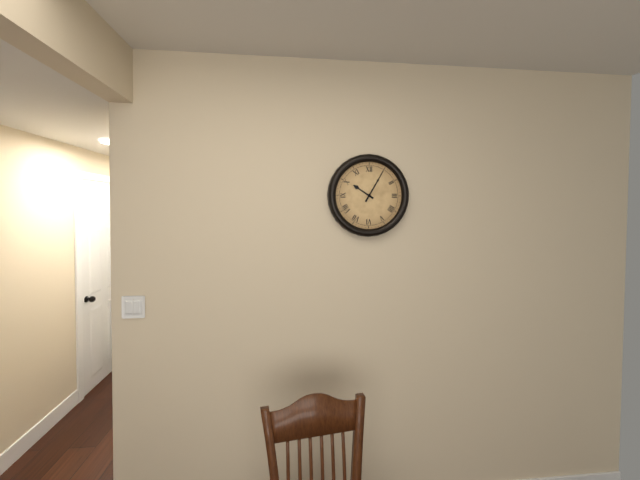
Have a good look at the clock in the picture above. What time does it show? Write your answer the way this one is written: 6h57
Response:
10h05
